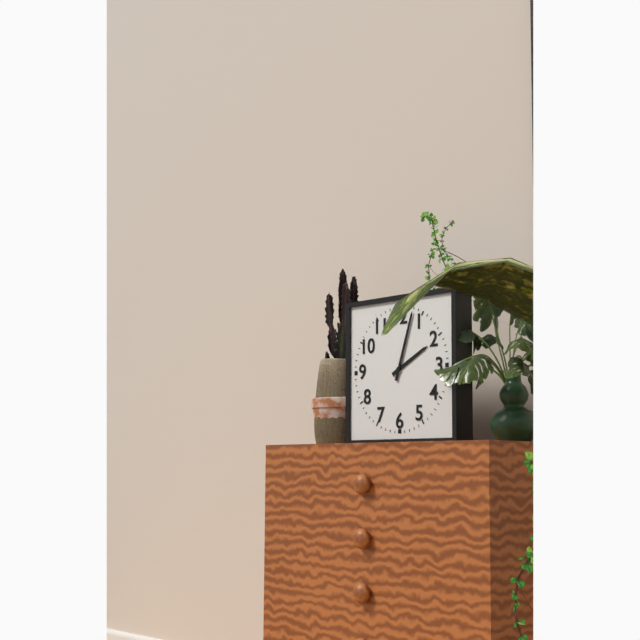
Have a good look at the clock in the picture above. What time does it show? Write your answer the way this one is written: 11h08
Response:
2h03
